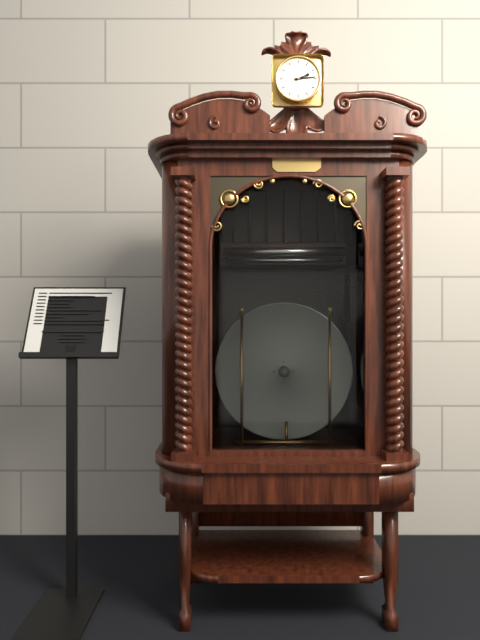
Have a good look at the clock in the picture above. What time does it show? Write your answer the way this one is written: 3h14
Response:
2h14
